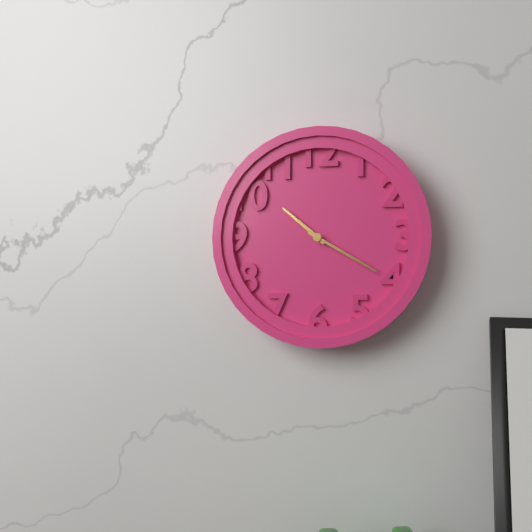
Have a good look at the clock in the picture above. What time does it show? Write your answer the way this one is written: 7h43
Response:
10h20
